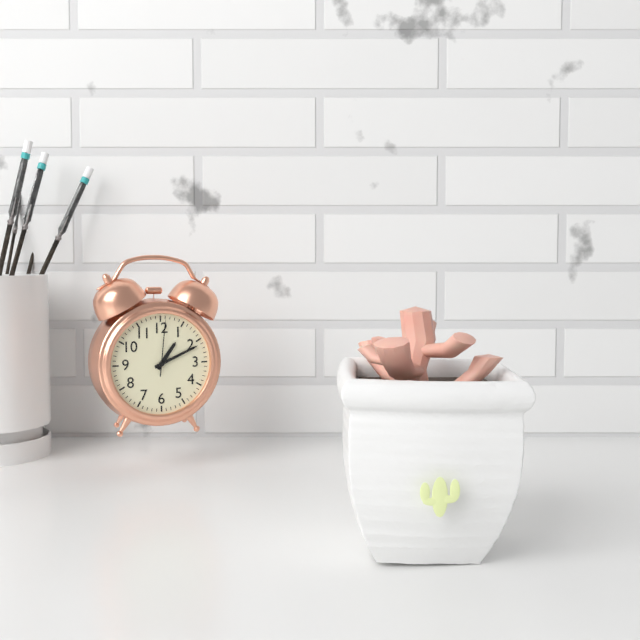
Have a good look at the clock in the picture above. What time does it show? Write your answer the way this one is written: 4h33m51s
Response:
1h11m01s
